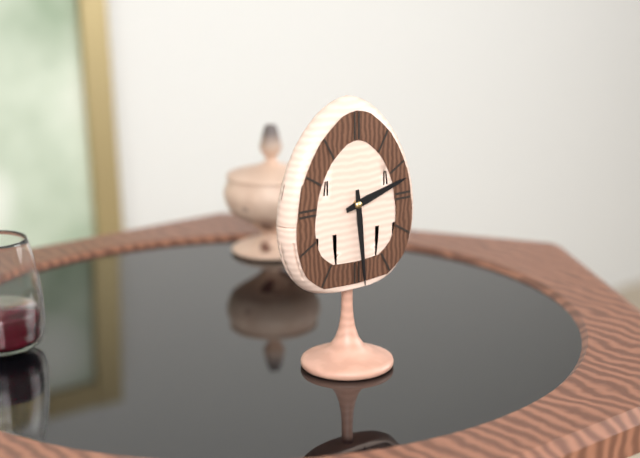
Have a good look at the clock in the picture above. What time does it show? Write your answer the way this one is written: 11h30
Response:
2h29
